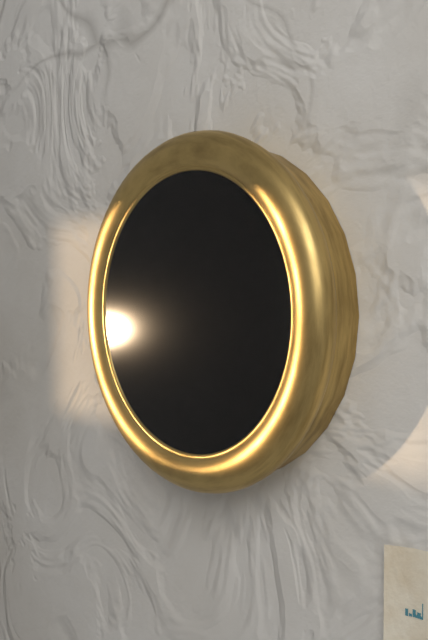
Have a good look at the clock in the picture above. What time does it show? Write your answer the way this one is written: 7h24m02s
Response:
5h42m31s
